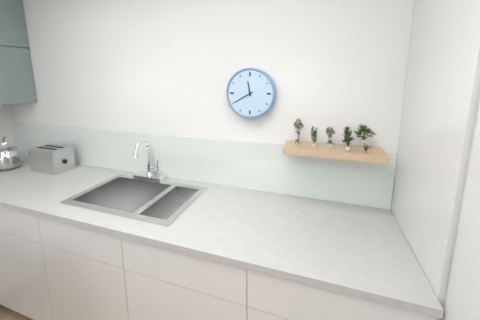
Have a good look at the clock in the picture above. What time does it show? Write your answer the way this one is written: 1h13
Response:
11h40
